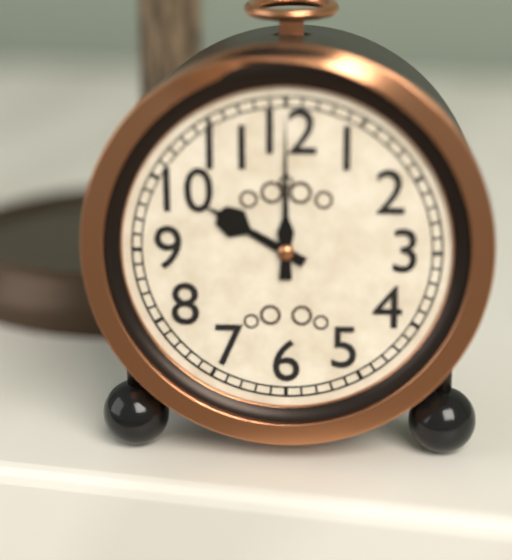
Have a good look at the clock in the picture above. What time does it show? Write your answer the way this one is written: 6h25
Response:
10h00
